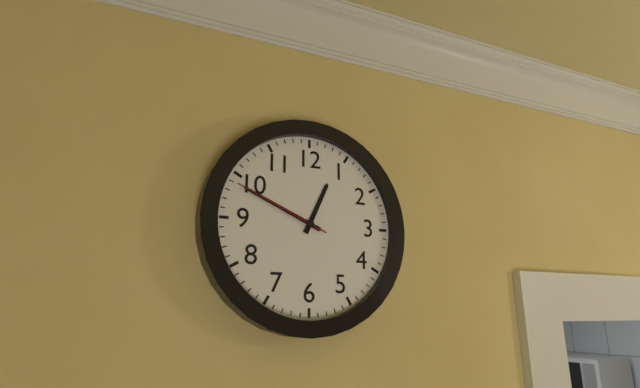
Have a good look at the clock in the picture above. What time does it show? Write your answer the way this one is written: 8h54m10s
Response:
12h49m49s
